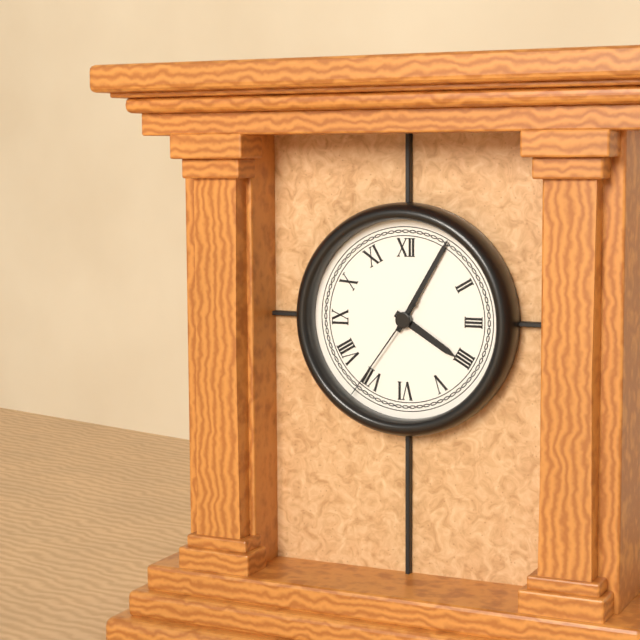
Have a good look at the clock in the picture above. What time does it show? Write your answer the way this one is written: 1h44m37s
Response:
4h05m36s
